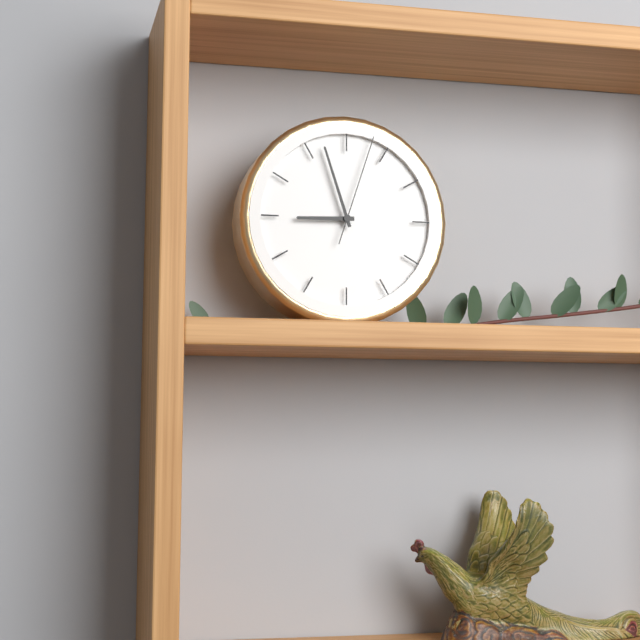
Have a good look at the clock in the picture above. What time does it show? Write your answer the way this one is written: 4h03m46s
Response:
8h57m03s
